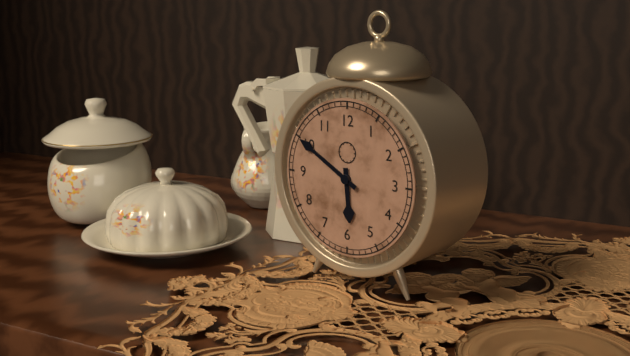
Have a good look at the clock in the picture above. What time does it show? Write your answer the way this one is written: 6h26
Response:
5h50
